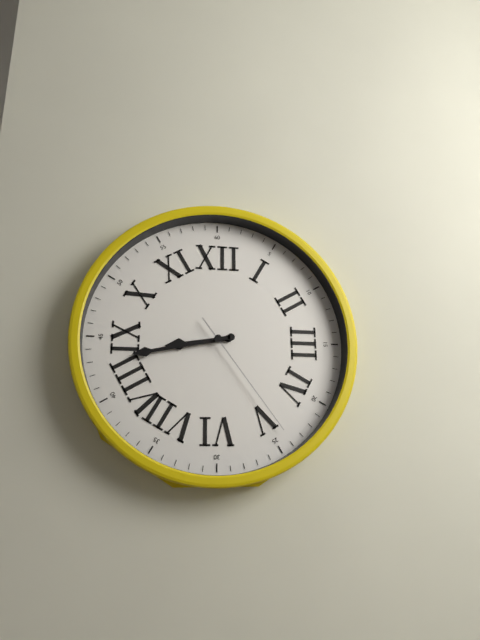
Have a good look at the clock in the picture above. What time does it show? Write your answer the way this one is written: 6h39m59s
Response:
8h43m24s
